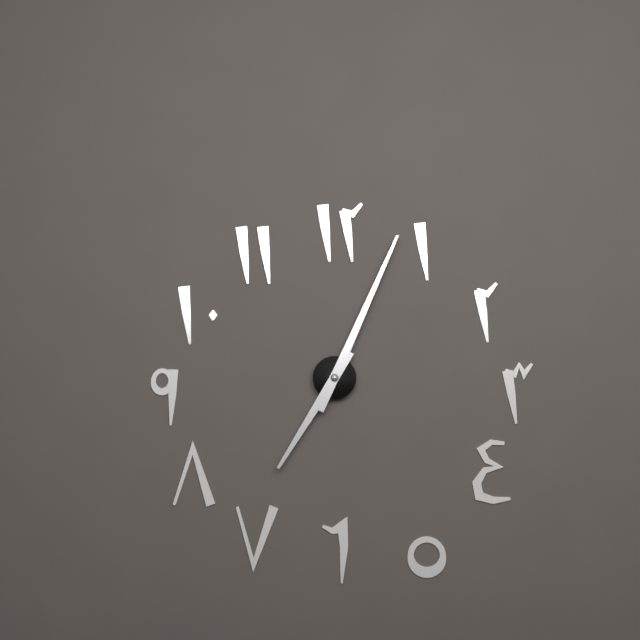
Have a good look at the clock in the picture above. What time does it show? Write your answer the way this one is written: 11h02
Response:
7h04
